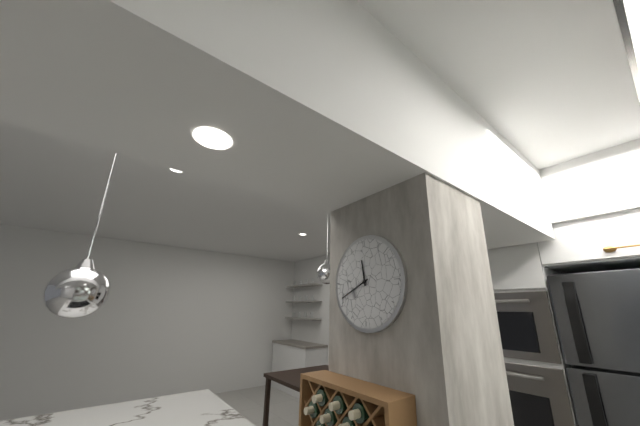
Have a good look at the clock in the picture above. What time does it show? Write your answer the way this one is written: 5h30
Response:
11h41
